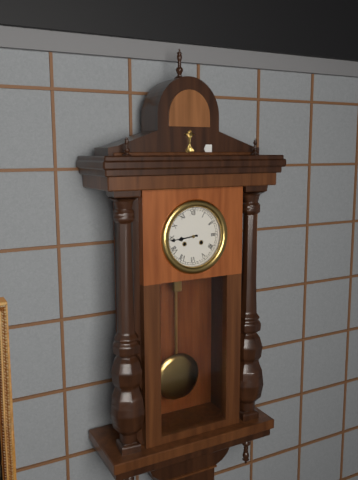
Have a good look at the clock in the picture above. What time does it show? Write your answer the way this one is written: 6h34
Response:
8h44
